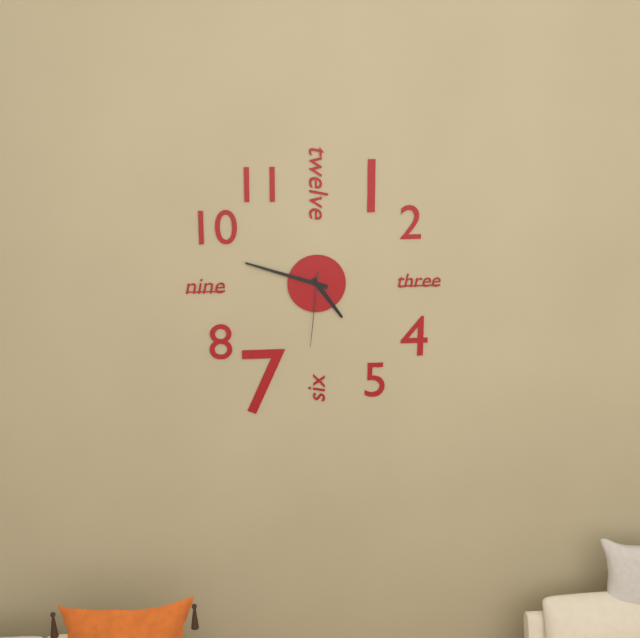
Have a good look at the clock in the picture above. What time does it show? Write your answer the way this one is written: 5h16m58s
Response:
4h48m31s
